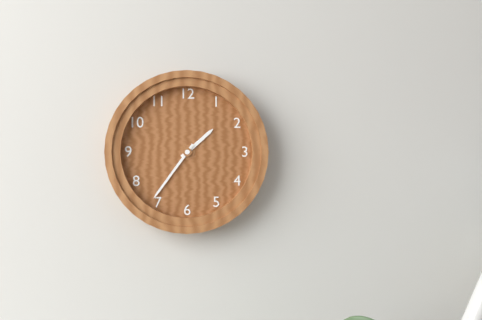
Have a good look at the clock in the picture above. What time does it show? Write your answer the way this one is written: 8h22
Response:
1h36
